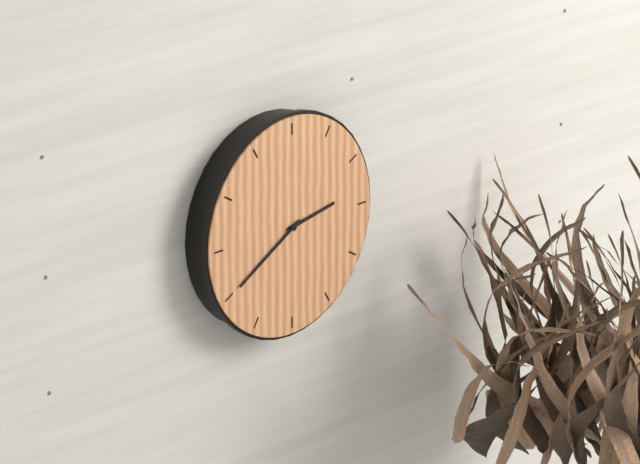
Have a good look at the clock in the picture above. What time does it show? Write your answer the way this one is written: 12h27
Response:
2h40
